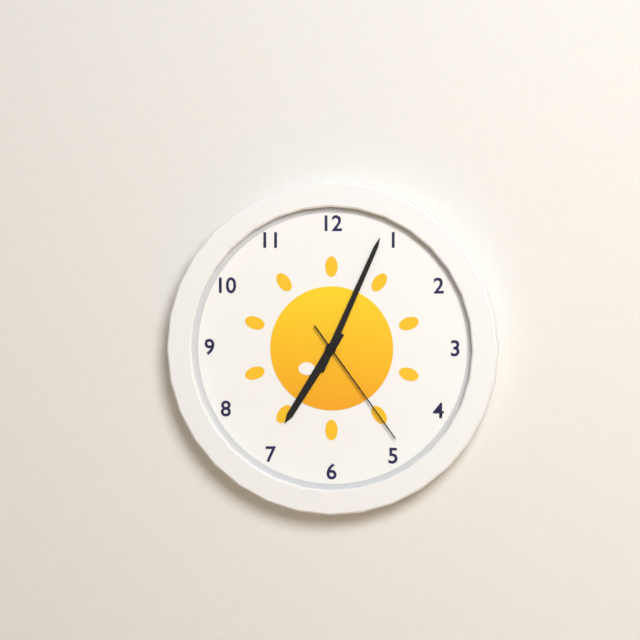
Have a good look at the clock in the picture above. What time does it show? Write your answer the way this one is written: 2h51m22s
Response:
7h04m24s
